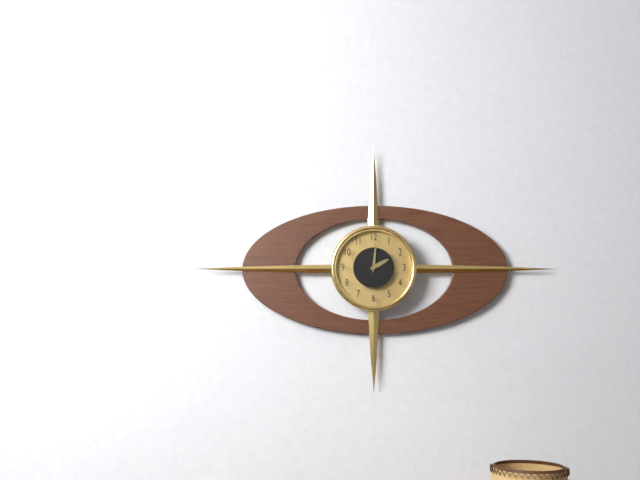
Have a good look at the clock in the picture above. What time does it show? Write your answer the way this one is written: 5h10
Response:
2h01
